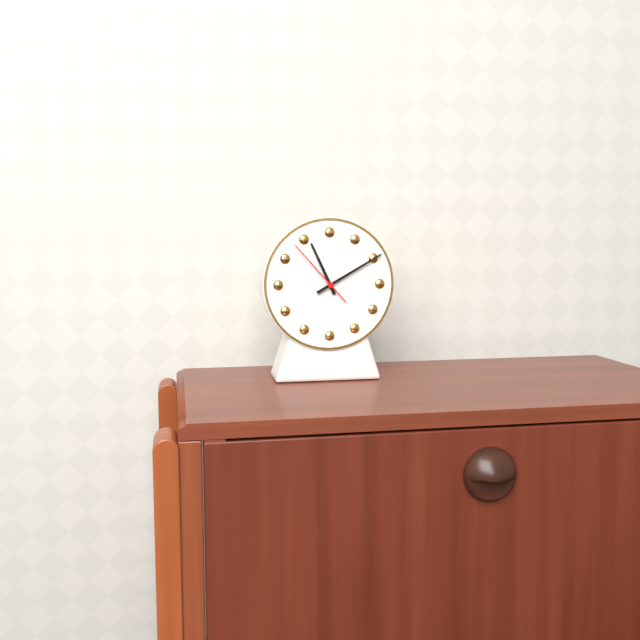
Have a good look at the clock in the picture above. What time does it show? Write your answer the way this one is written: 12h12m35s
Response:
11h10m53s
